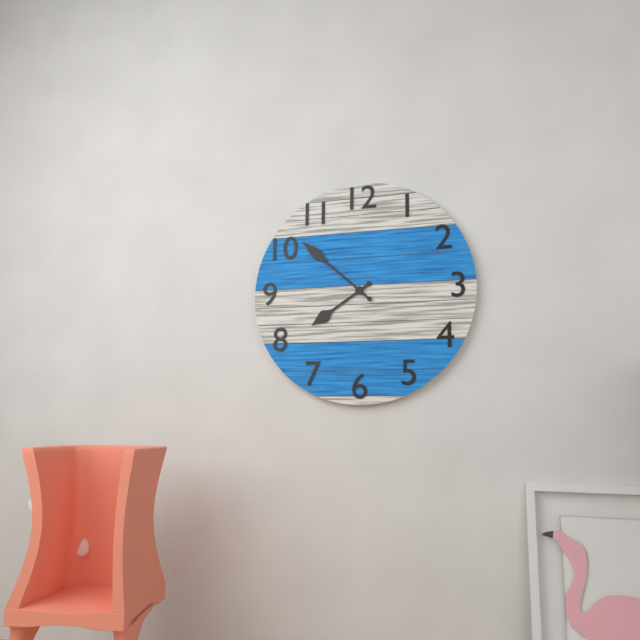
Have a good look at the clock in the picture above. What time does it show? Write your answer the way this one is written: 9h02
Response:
7h52
